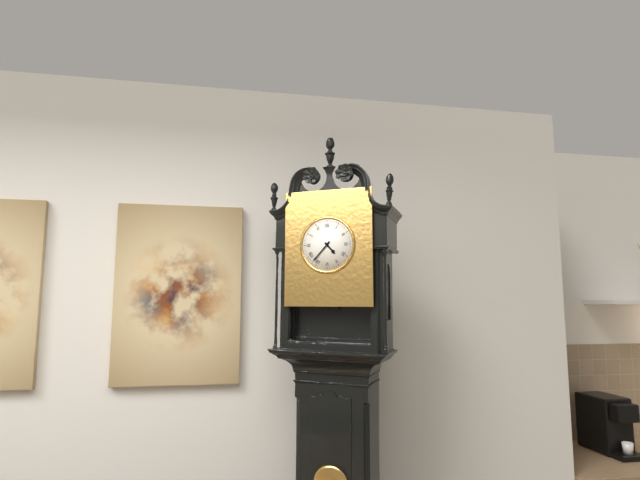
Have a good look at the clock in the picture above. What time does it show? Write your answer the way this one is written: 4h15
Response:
4h37
